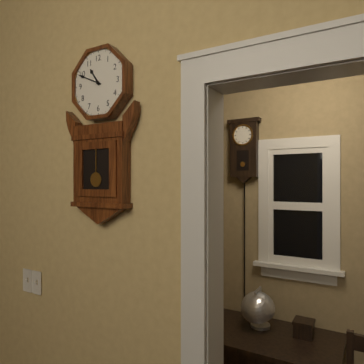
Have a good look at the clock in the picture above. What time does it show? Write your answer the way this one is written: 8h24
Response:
10h49
